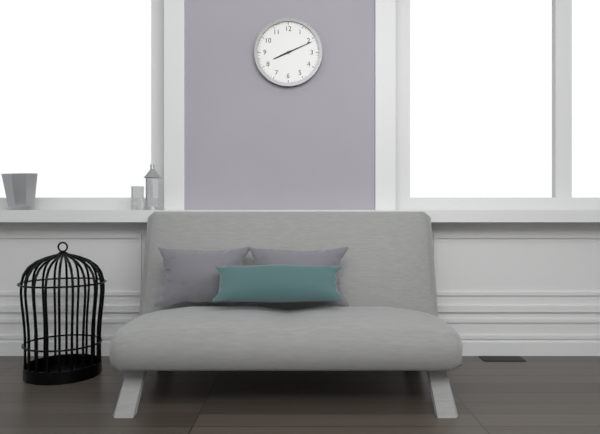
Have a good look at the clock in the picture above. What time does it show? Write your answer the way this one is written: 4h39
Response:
8h11
